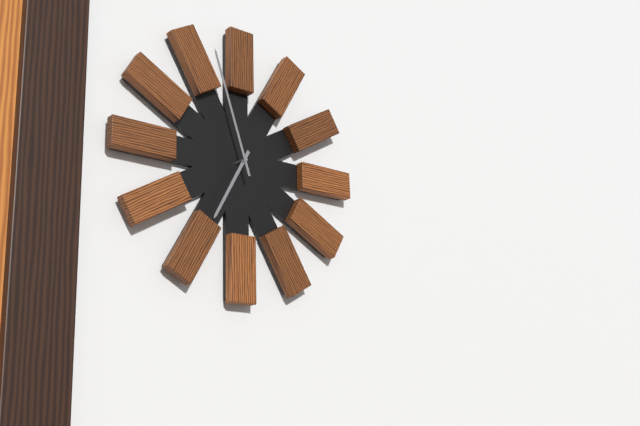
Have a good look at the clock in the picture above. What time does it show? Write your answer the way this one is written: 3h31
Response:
6h57
